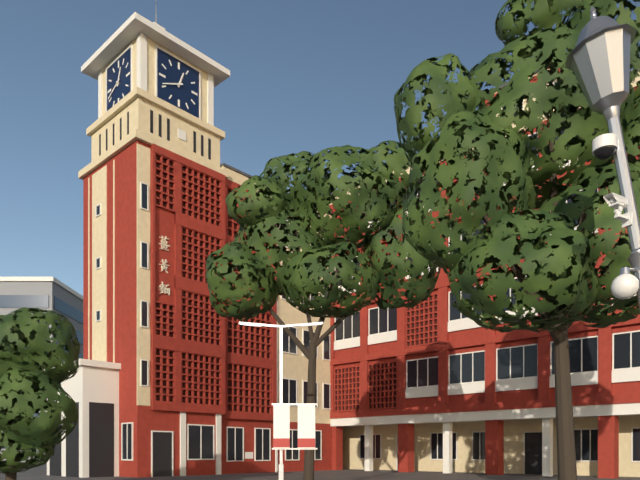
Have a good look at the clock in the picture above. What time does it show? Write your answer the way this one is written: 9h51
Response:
12h41
